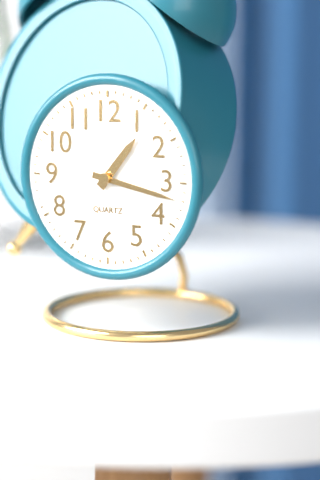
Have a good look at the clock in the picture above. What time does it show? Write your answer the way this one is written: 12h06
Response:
1h17
